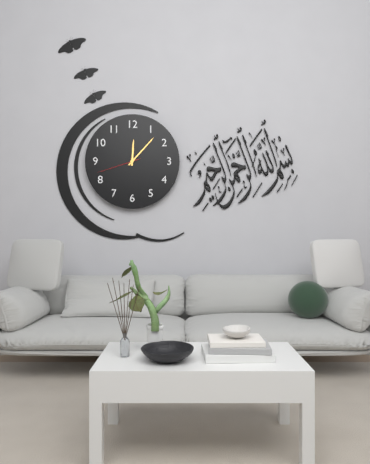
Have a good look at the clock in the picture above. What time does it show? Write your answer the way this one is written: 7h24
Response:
12h07
